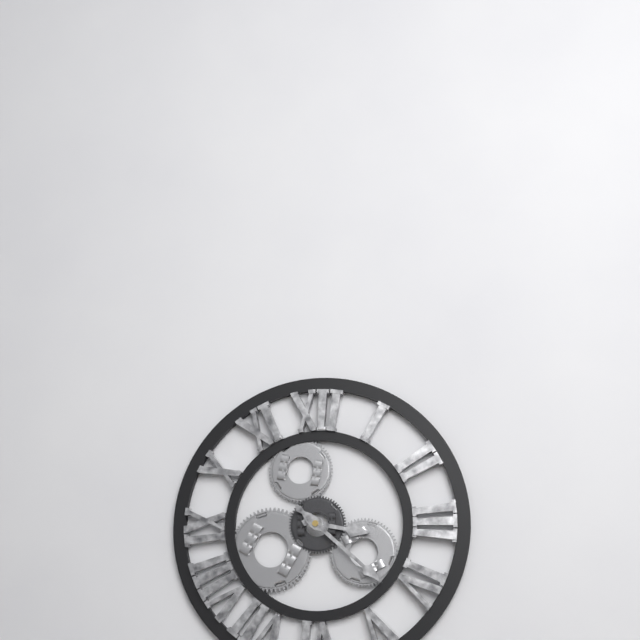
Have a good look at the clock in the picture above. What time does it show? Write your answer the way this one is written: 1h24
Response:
3h22
